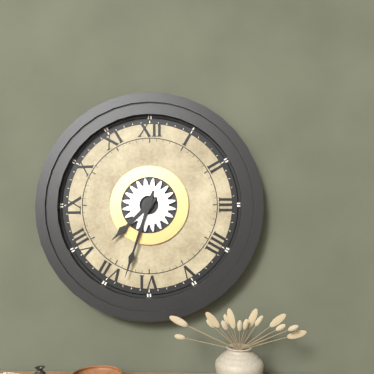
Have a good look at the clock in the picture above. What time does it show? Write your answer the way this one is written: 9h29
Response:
7h33
